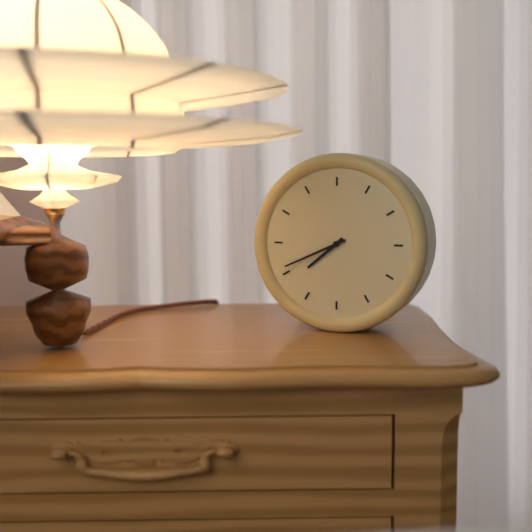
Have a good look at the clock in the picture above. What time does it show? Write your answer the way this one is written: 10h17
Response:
7h41
